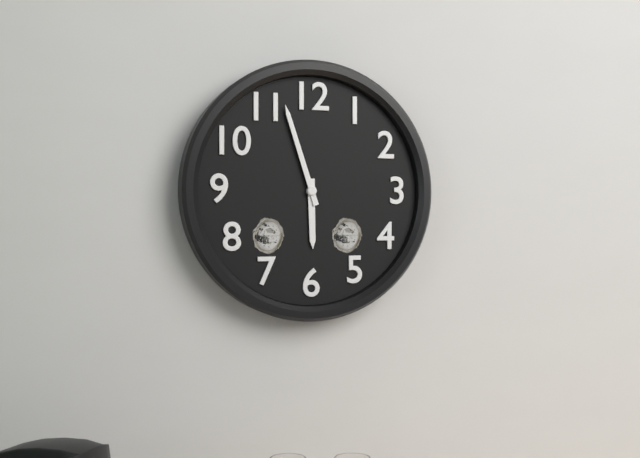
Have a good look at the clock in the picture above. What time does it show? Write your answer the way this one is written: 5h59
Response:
5h57
